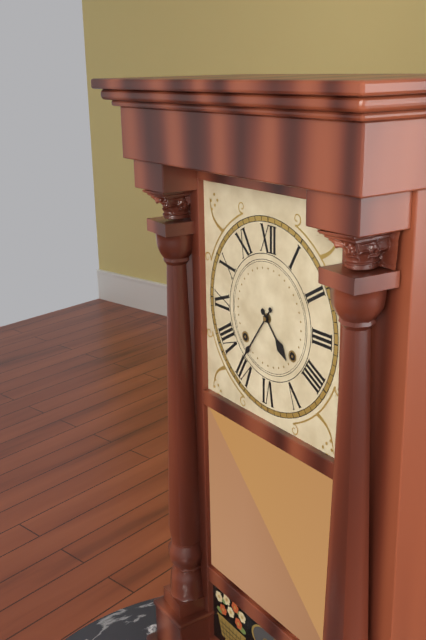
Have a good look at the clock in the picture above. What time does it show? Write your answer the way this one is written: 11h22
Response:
4h36
